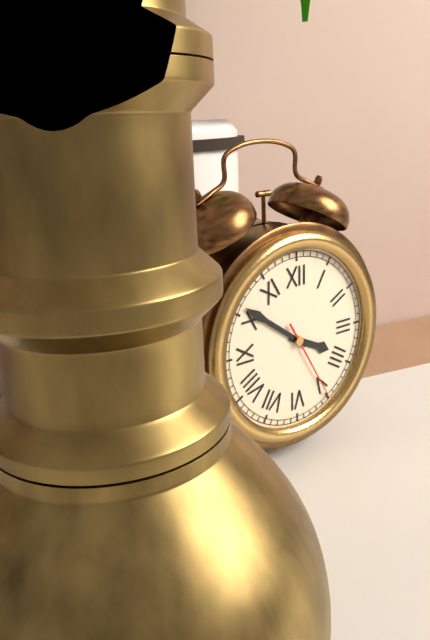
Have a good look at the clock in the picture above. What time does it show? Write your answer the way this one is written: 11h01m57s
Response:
3h51m25s
